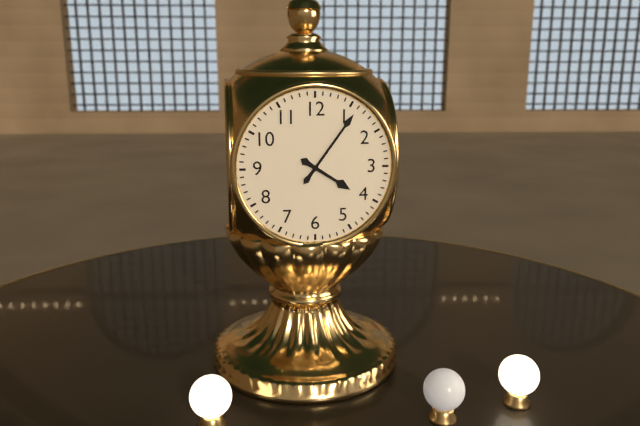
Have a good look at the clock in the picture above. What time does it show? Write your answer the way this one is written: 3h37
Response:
4h06
